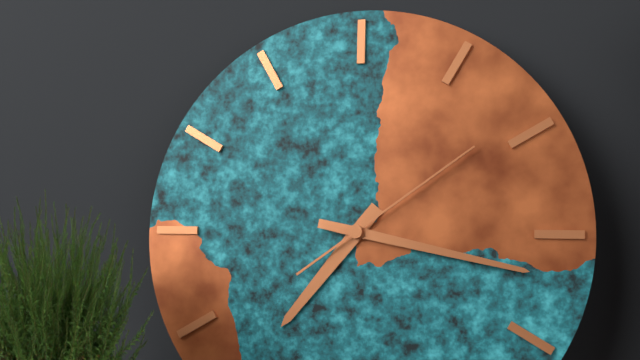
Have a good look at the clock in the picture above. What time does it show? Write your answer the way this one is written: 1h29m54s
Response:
7h17m09s
